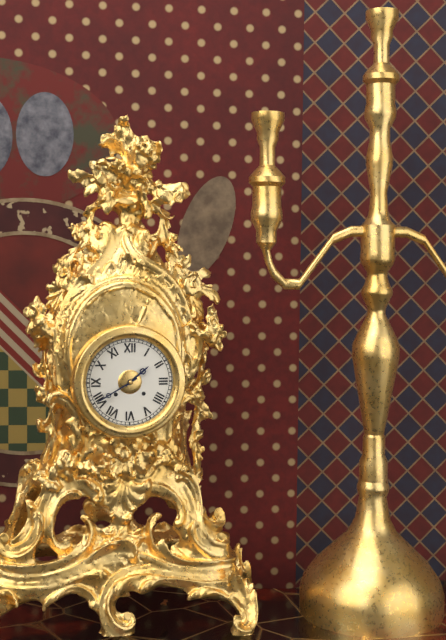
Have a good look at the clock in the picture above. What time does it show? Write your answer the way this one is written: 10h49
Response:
1h40
